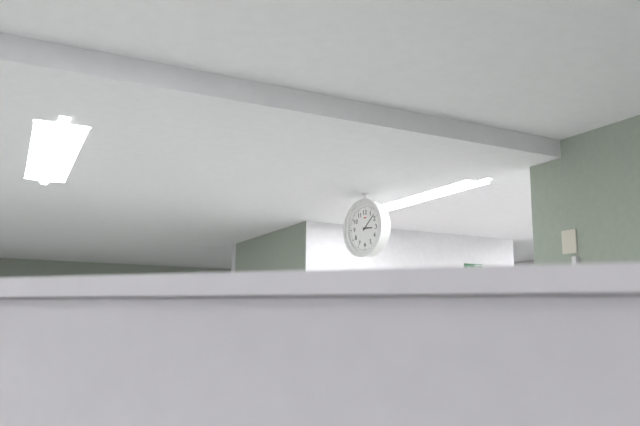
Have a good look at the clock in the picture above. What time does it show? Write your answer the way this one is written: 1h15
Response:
3h08
